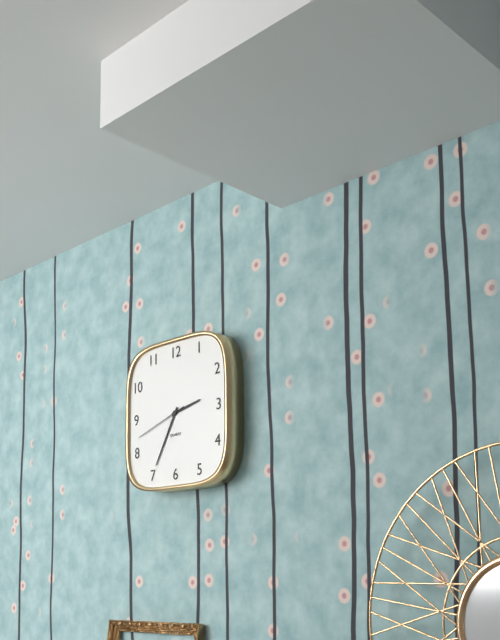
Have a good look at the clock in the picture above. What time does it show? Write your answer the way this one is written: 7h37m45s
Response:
2h35m42s
